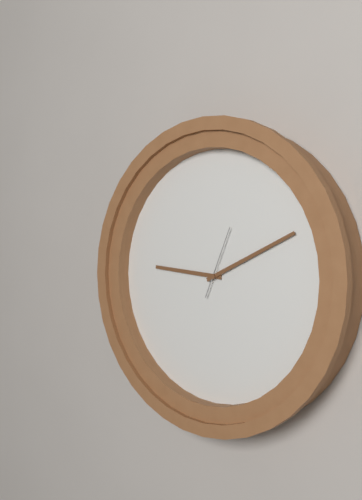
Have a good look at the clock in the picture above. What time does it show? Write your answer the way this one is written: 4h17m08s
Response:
9h11m04s
